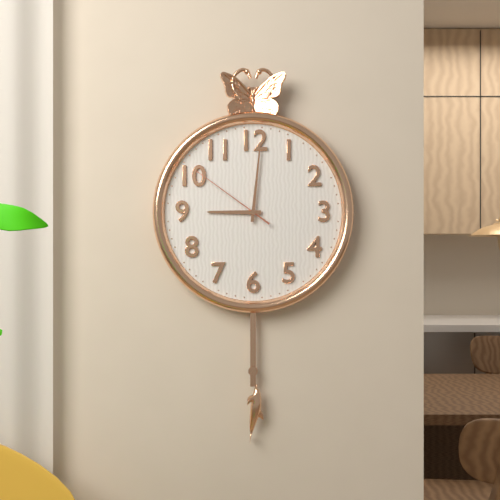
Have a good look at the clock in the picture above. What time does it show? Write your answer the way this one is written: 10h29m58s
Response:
9h01m51s
